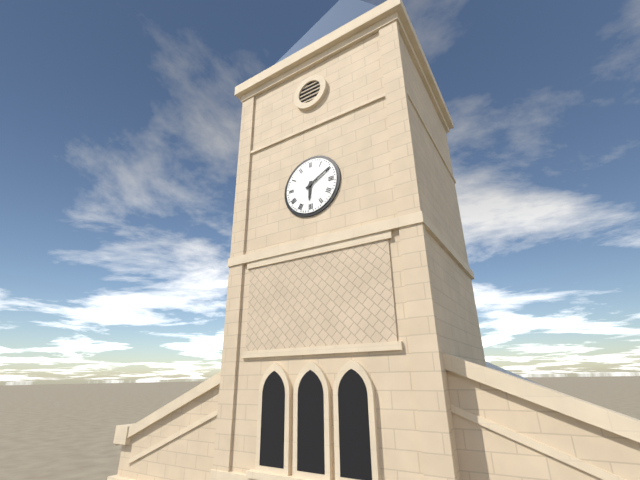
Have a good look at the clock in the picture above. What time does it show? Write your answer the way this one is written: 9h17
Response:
6h10
